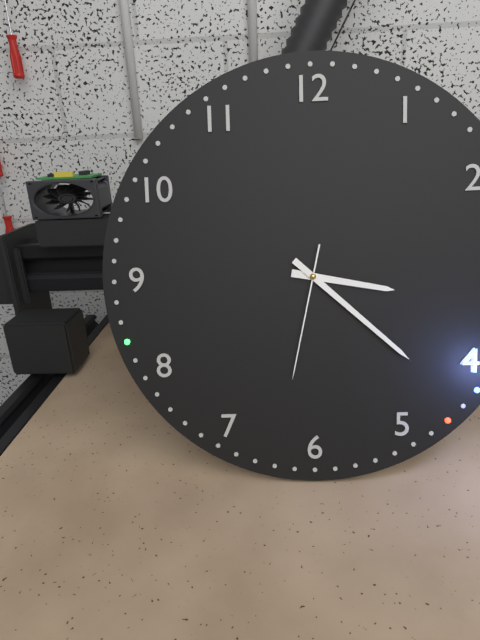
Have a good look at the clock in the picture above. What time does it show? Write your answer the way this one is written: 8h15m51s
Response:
3h22m32s
